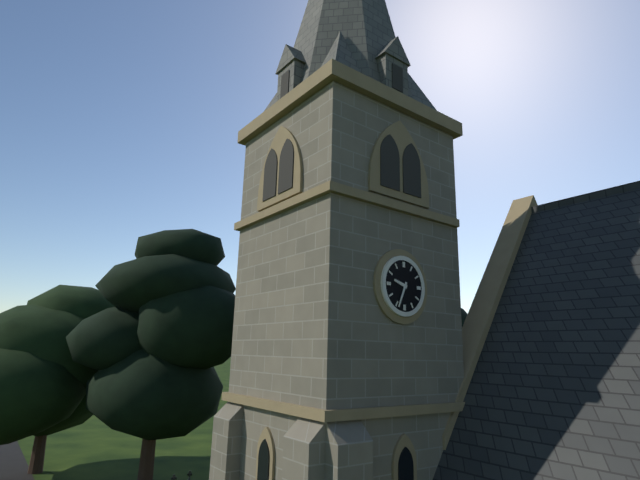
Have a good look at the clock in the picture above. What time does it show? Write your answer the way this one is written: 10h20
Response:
9h34
